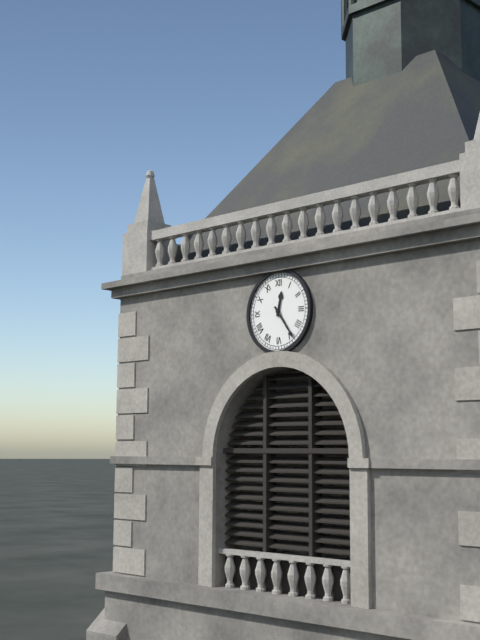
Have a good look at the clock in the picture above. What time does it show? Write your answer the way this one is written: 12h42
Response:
12h24
